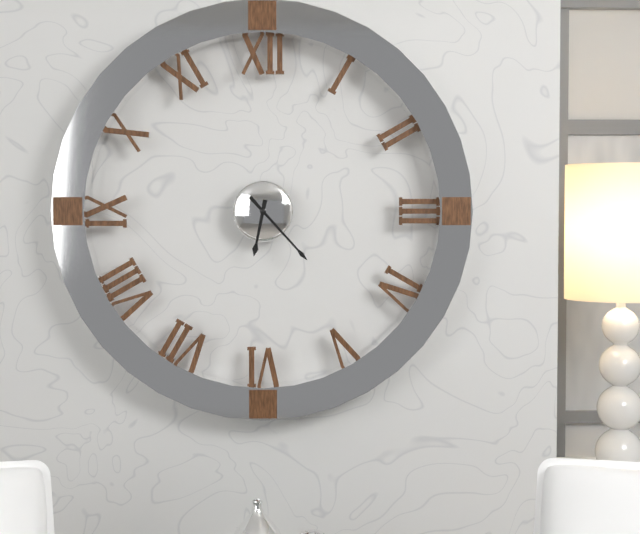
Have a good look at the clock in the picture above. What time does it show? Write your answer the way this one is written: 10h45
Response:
6h23
